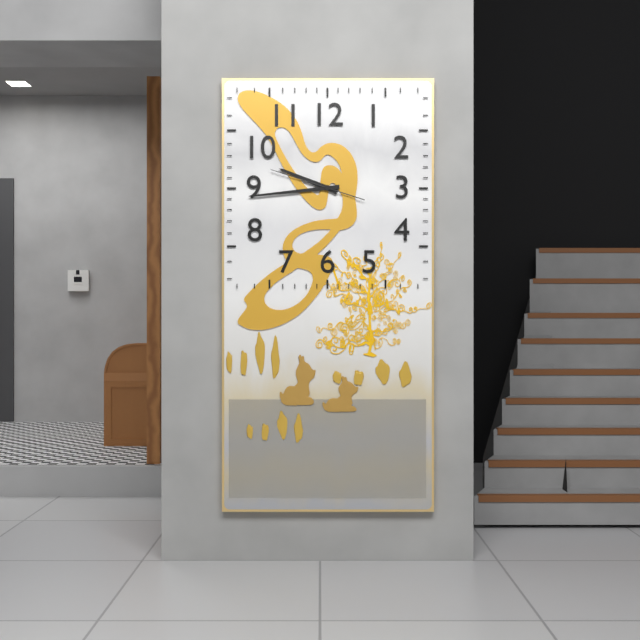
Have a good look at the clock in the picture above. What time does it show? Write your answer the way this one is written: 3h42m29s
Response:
9h44m48s
